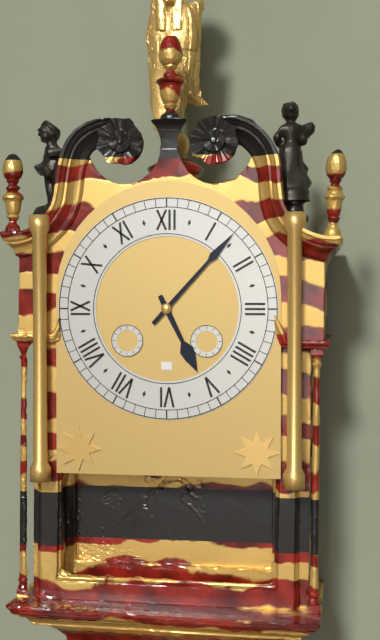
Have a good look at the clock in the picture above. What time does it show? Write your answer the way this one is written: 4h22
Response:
5h07
